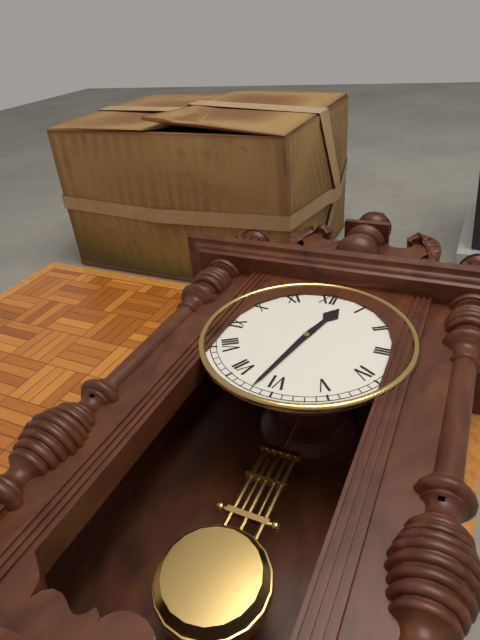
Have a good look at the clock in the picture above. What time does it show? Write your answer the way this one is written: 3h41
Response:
12h32
